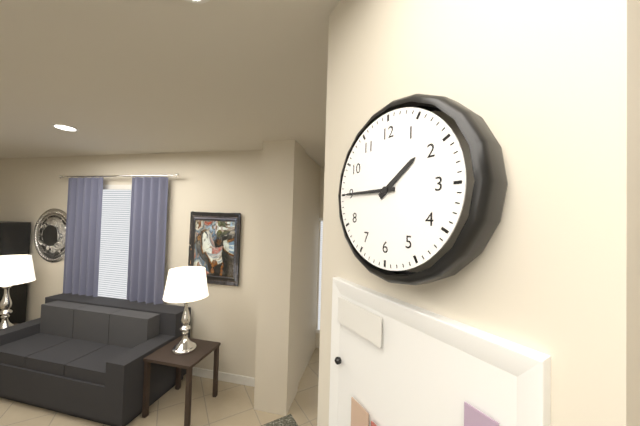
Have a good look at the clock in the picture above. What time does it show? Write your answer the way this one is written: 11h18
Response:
1h45
